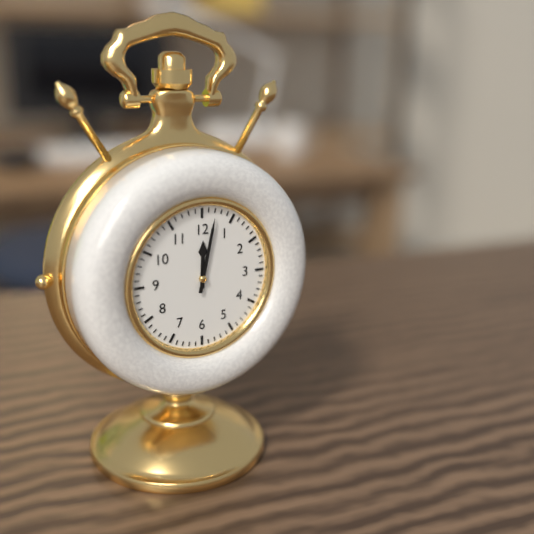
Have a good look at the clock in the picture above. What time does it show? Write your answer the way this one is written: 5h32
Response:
12h02
